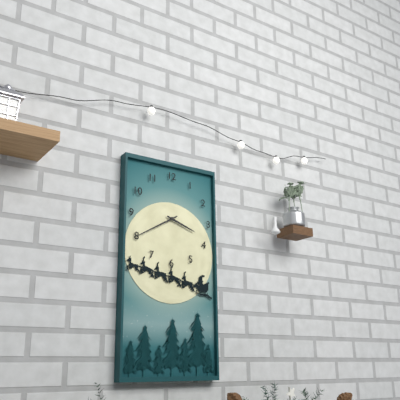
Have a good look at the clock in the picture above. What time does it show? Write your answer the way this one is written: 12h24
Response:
3h40
